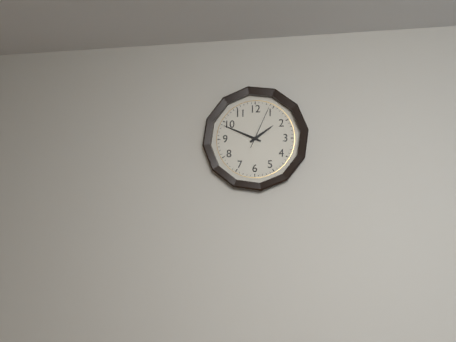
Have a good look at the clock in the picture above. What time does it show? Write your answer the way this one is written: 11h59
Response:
1h49
